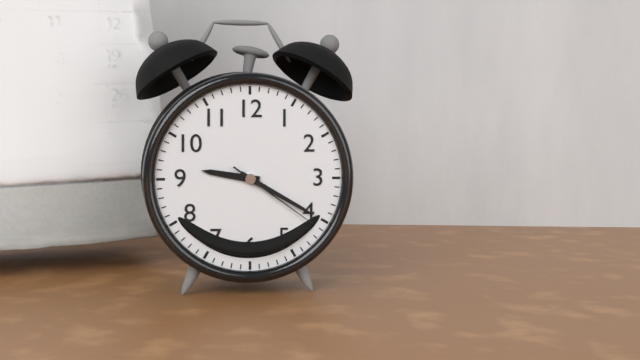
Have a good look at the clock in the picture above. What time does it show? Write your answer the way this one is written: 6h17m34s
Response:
9h20m21s
